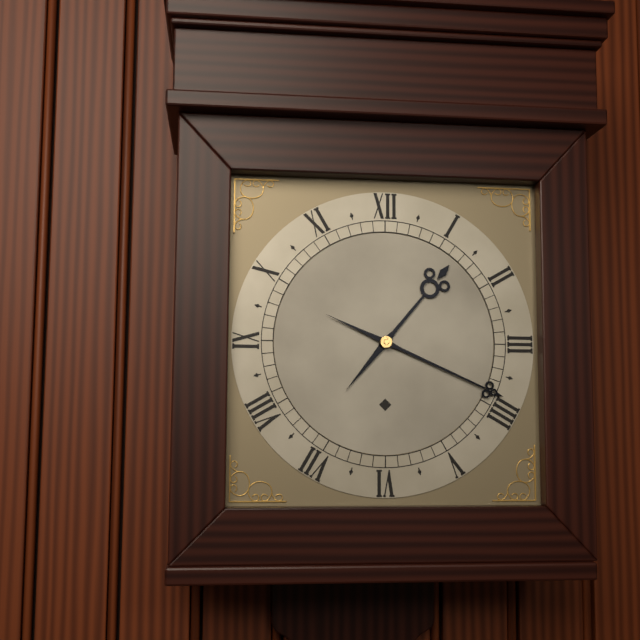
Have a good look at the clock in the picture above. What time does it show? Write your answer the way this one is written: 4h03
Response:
1h19
